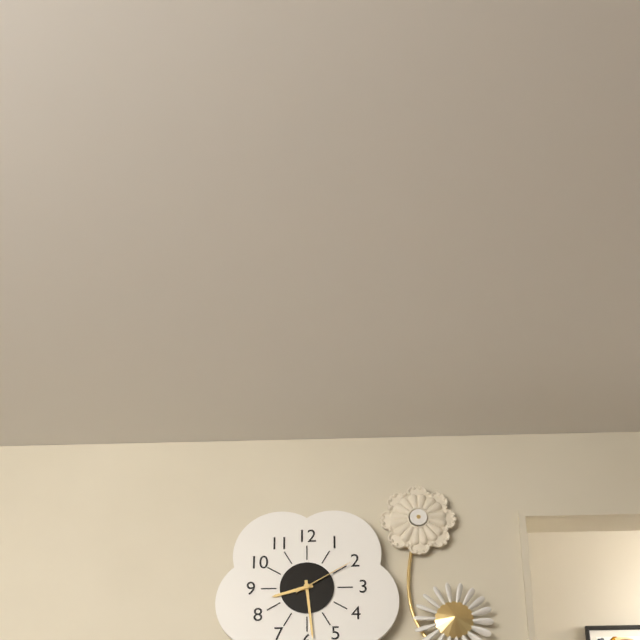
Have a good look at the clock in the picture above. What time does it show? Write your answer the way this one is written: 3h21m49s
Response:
8h29m10s
